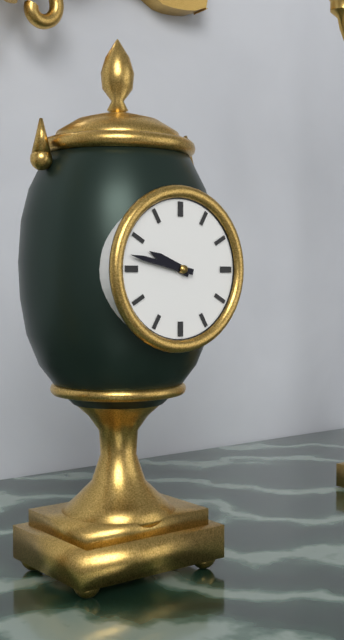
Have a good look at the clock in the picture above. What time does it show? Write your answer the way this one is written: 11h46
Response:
9h47
